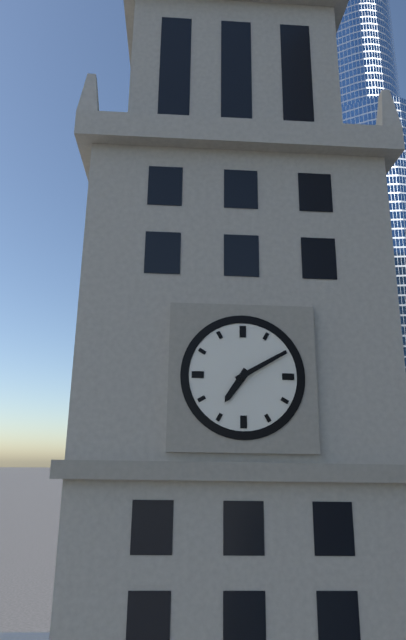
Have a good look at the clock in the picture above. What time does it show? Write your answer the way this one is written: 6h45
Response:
7h10
